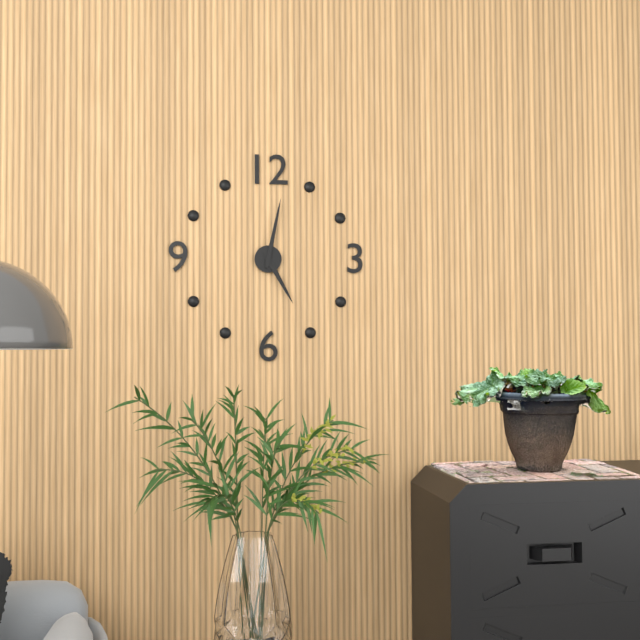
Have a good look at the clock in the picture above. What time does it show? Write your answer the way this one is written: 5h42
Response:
5h02
